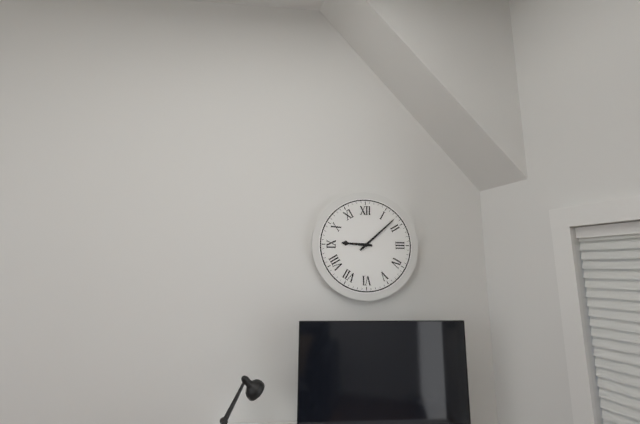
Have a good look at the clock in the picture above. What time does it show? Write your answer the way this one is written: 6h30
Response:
9h08
